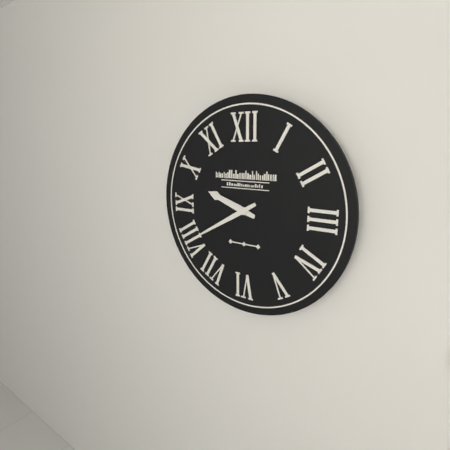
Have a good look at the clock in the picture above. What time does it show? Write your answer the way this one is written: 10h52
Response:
9h40
